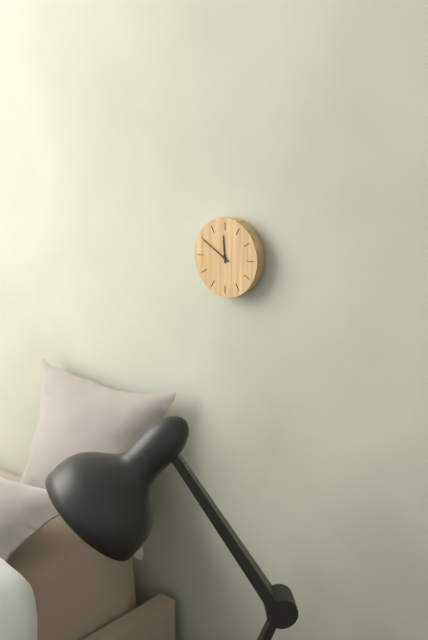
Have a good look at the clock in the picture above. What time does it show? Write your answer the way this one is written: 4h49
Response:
11h50
